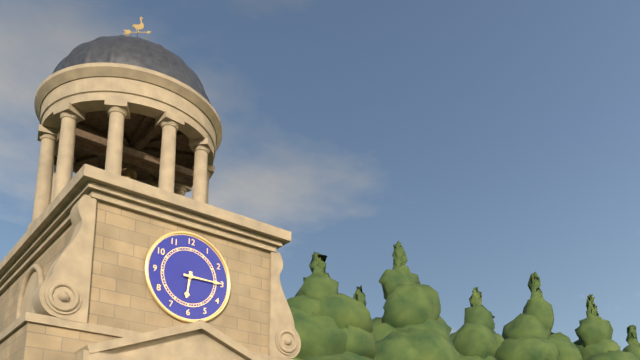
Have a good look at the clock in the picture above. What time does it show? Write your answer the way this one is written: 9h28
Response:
6h15
